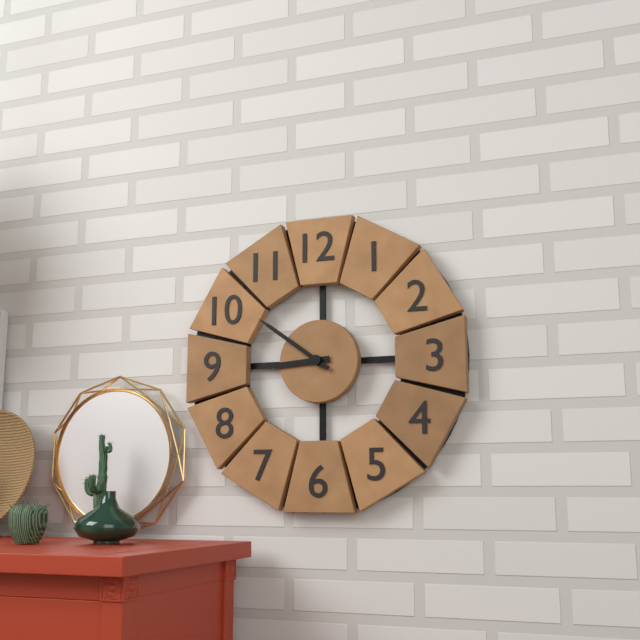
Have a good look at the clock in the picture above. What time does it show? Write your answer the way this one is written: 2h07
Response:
8h51
